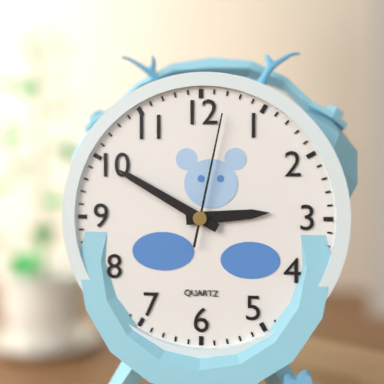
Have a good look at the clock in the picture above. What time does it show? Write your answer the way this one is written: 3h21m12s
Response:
2h50m02s
